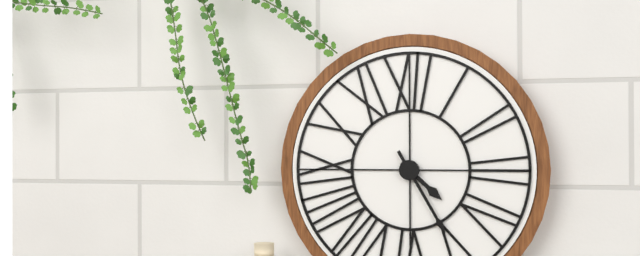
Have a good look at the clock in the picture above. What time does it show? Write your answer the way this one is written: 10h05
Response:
4h25
